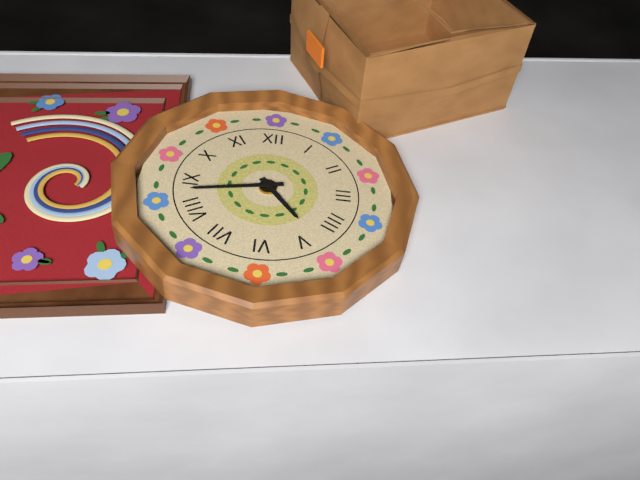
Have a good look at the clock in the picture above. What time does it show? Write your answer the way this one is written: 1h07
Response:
4h43
